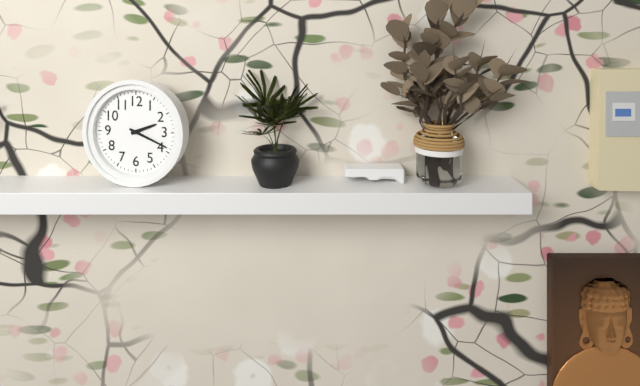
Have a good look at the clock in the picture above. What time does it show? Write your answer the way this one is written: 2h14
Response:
2h19
